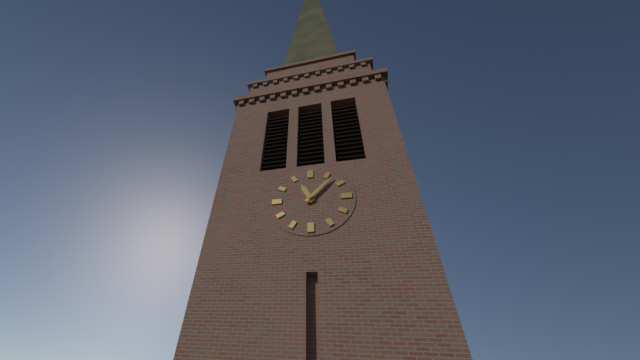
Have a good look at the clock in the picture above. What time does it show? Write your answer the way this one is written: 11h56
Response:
11h07
